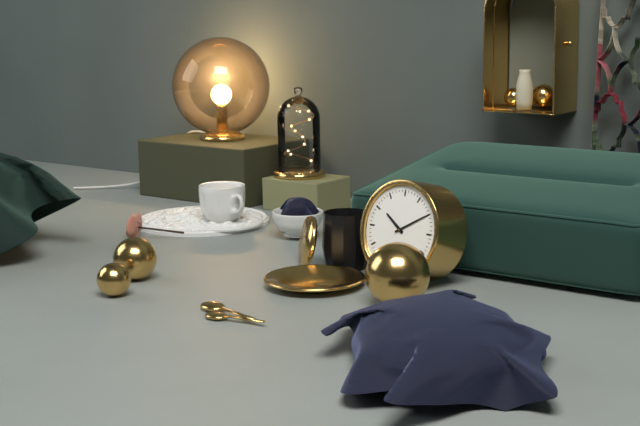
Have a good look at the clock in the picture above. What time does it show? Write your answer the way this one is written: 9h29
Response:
10h10
